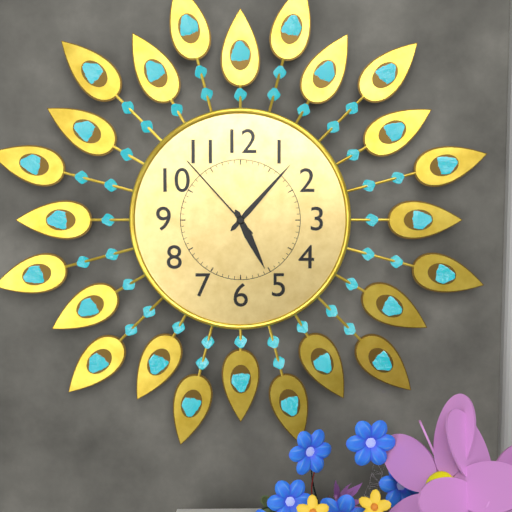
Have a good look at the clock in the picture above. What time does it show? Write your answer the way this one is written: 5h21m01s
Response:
5h07m53s
